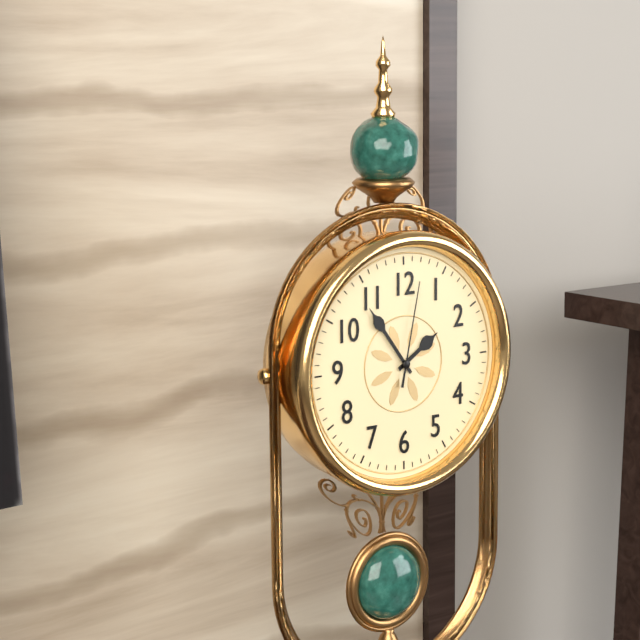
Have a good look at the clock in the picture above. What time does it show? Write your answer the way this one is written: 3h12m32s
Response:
1h54m02s
